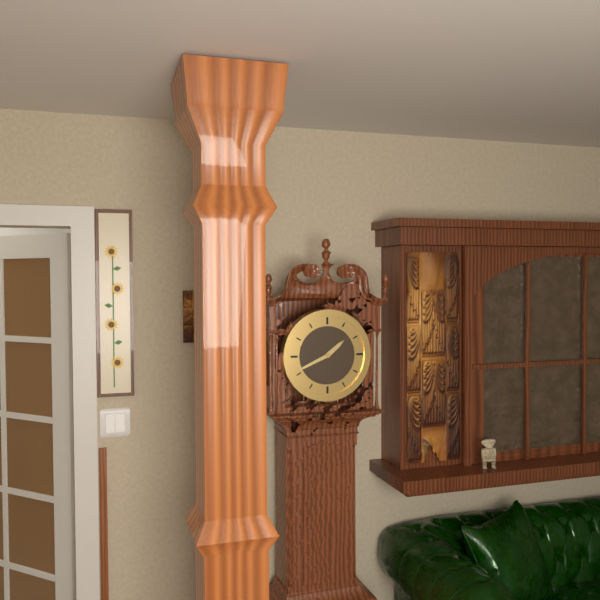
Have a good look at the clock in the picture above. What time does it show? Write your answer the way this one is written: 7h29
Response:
1h41
